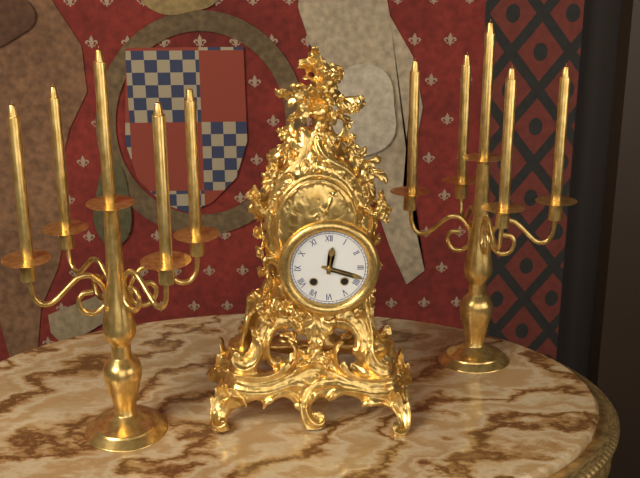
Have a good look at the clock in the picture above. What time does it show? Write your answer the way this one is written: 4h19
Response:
12h18
